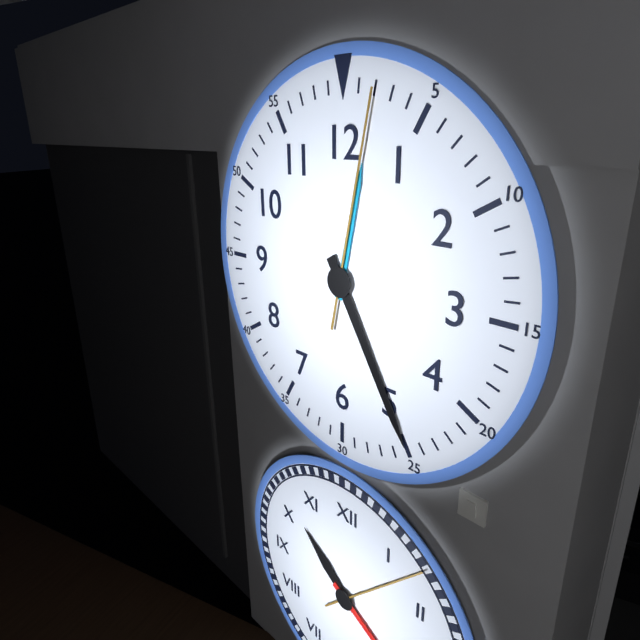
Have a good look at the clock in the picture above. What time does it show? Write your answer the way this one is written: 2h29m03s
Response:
12h25m02s
